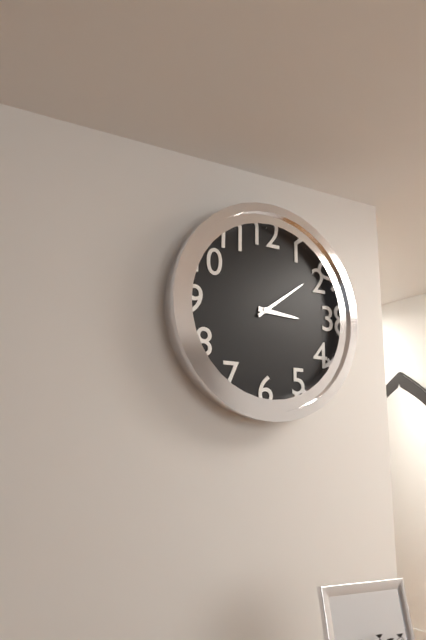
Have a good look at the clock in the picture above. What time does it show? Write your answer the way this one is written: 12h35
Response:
3h09
